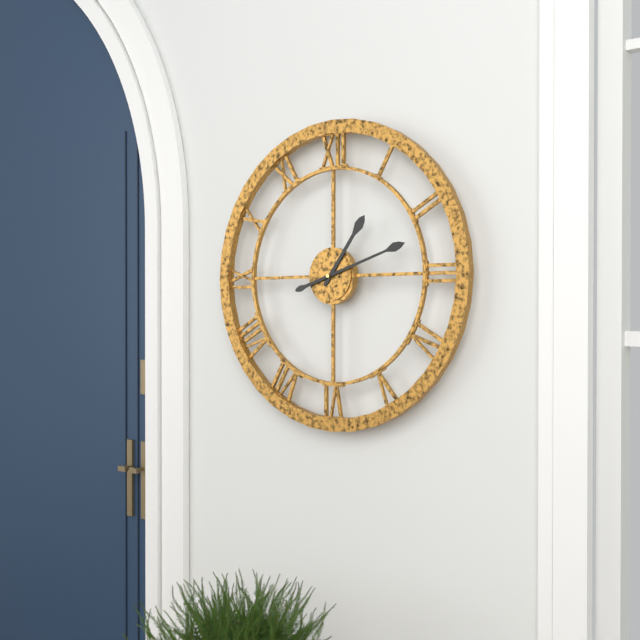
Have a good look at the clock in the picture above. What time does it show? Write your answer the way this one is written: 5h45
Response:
1h12
